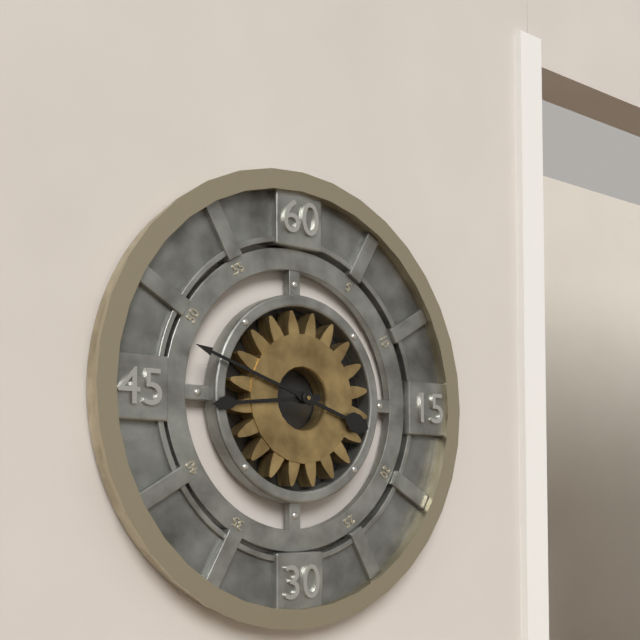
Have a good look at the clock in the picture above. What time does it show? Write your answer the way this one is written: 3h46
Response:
8h48
